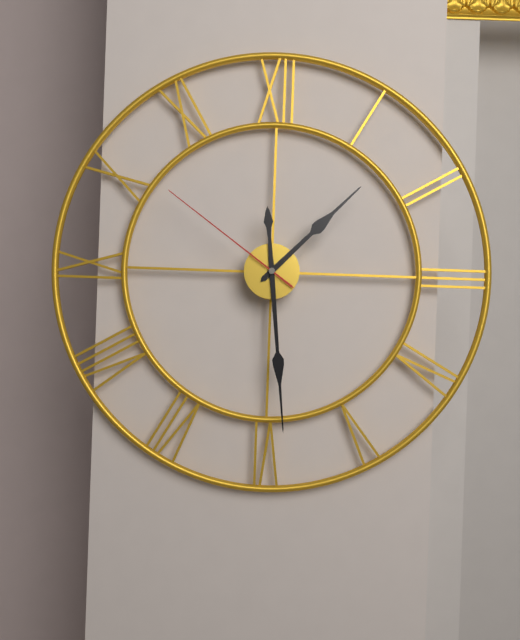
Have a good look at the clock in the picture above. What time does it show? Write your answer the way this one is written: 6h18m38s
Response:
1h29m51s
